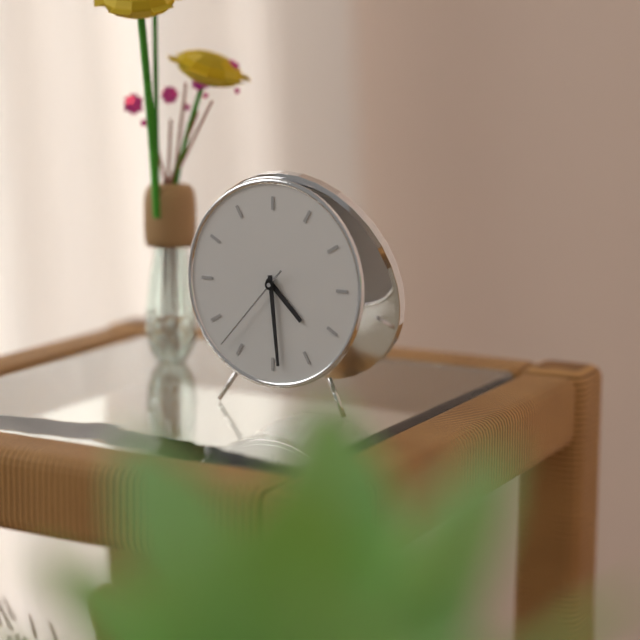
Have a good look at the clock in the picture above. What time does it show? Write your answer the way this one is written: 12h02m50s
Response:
4h29m37s
